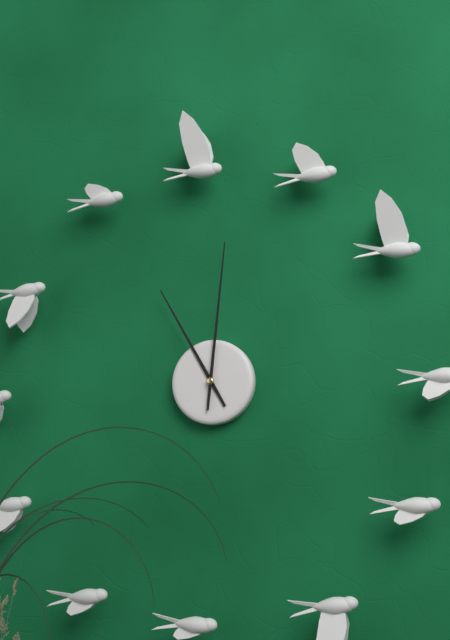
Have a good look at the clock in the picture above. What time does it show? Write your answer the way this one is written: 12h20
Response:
11h01
